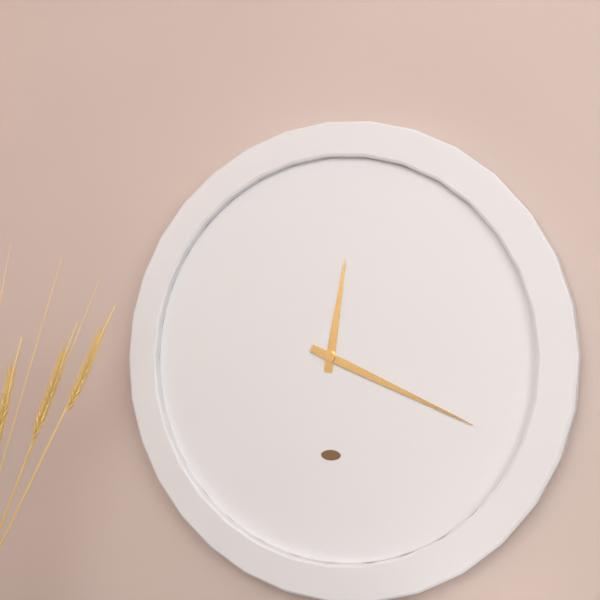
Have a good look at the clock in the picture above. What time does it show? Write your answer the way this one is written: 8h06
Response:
12h19
